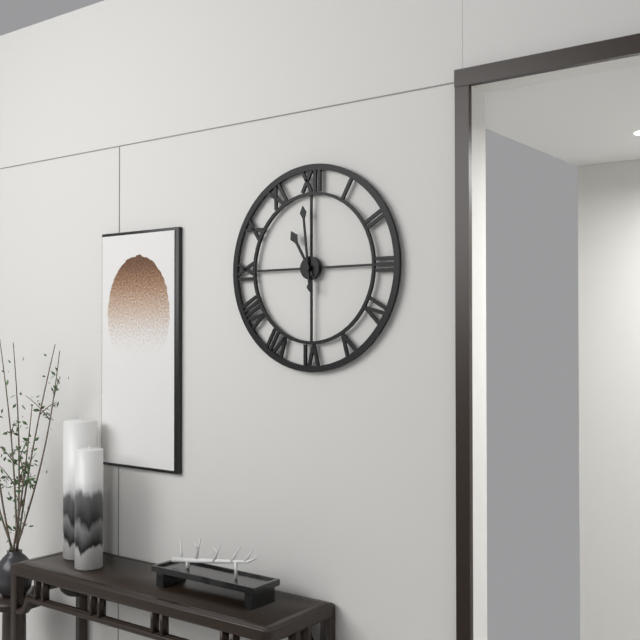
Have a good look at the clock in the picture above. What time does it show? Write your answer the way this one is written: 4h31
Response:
10h59
